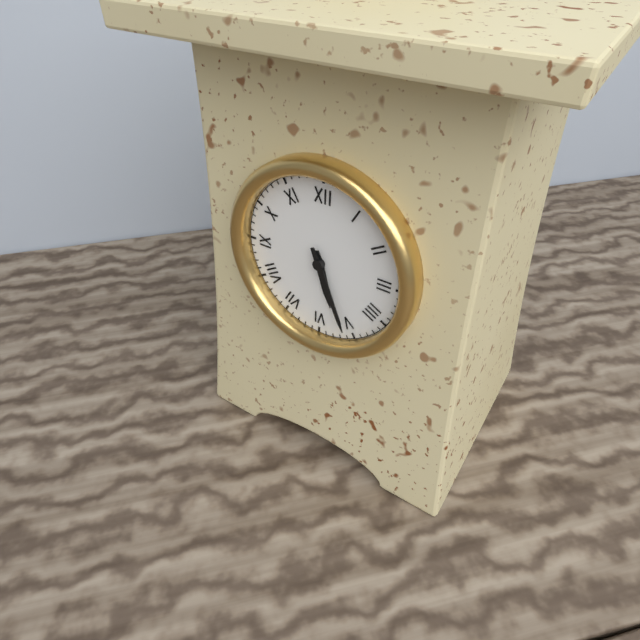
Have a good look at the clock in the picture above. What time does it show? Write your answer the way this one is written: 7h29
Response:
5h26
